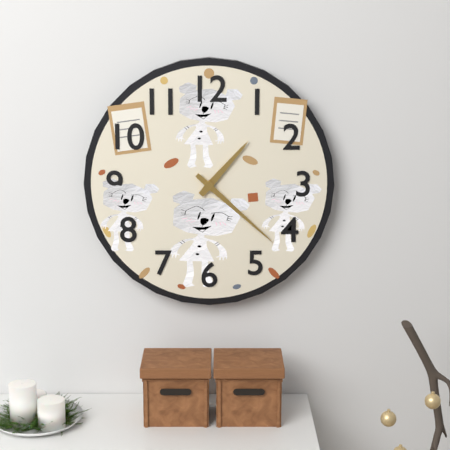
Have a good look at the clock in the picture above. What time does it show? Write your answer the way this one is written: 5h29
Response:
1h22
